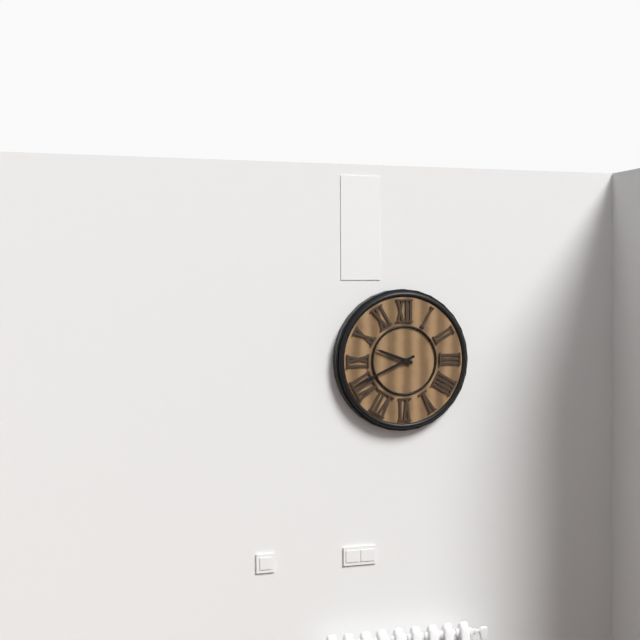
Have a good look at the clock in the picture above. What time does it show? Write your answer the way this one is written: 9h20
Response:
9h41
